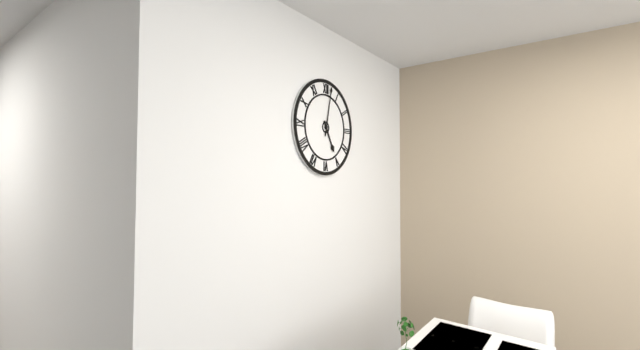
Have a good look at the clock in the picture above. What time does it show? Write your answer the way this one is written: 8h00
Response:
5h02
